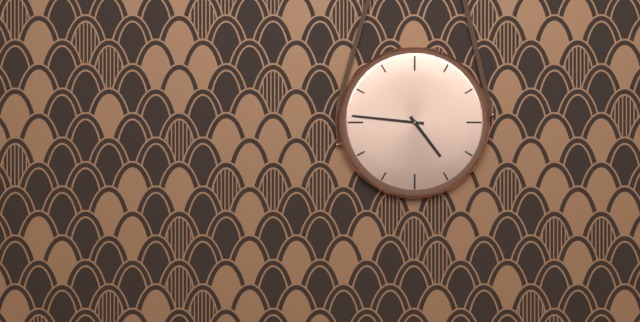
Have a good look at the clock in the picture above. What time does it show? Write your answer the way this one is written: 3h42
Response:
4h46
